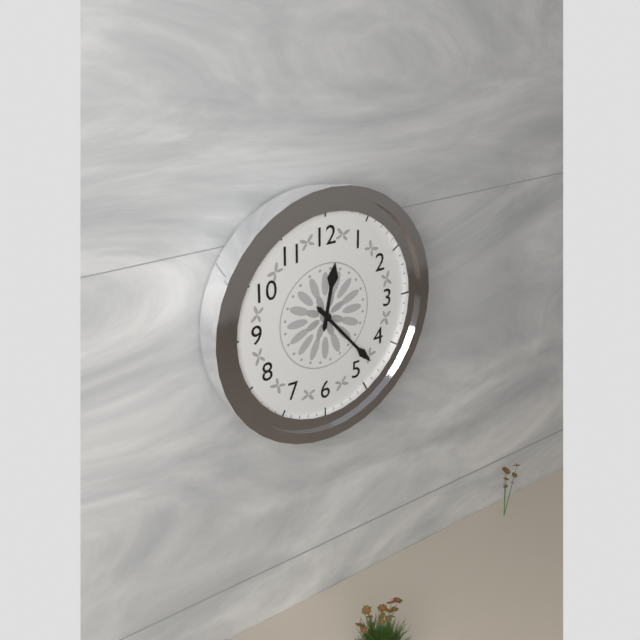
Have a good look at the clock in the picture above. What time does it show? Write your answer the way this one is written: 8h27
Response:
12h23
